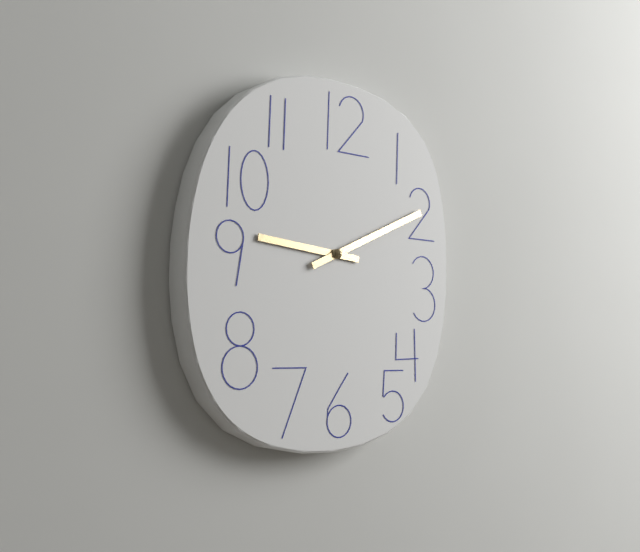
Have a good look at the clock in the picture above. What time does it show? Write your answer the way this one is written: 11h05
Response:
9h11
